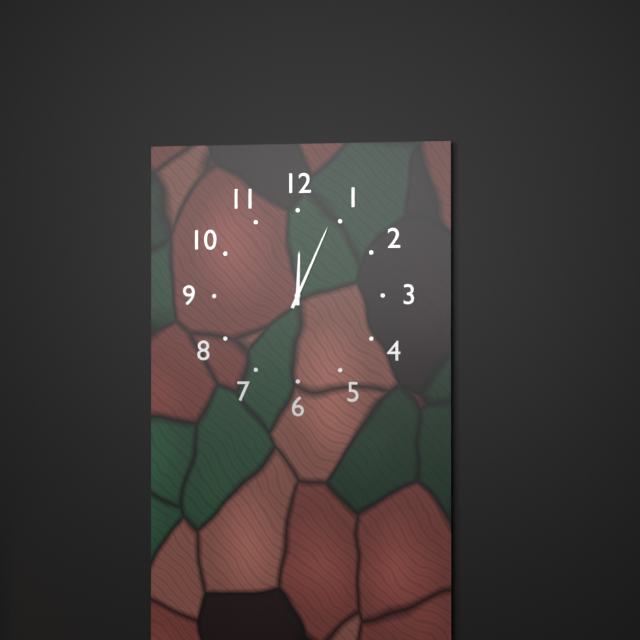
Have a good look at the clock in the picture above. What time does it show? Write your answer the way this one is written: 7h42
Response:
12h04
